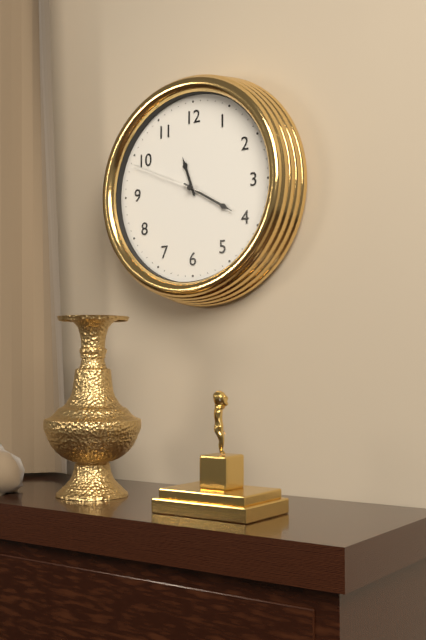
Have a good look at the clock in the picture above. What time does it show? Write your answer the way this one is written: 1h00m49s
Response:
11h20m49s
